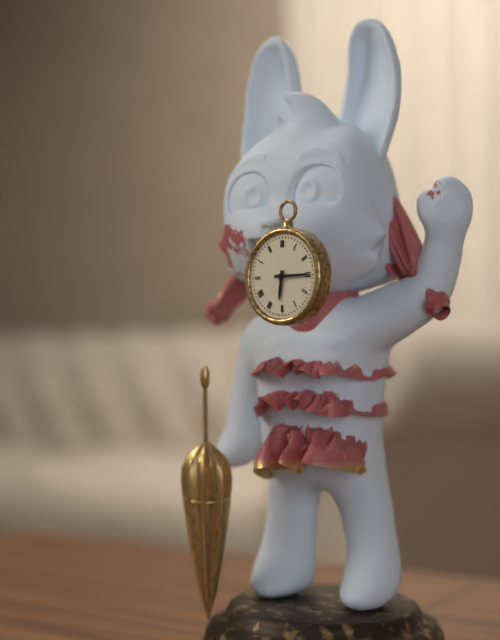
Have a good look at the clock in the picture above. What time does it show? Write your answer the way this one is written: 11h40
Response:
6h15
